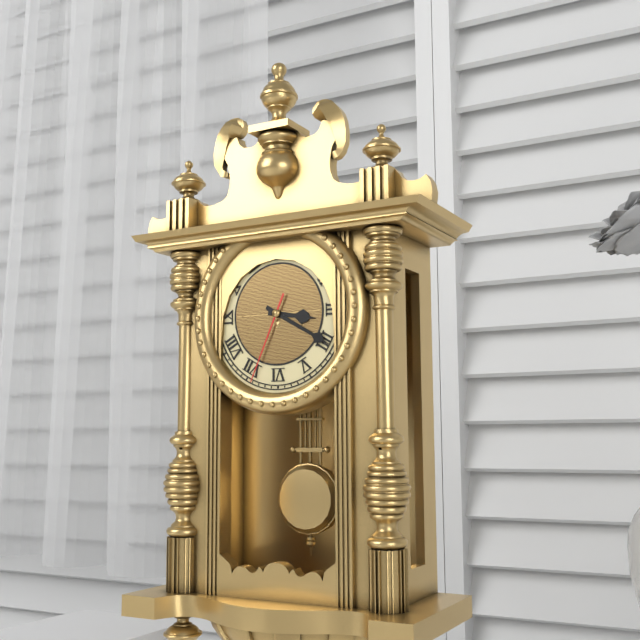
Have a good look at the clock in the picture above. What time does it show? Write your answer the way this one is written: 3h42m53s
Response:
3h20m34s
